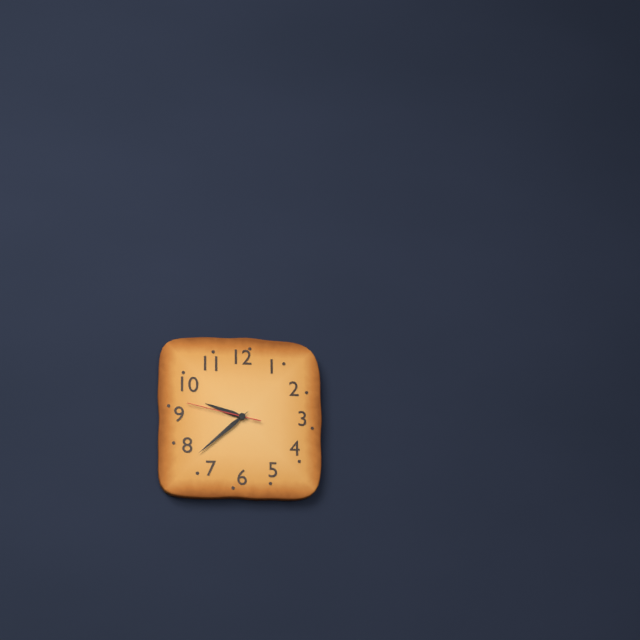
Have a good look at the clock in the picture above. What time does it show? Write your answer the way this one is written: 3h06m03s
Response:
9h38m47s
